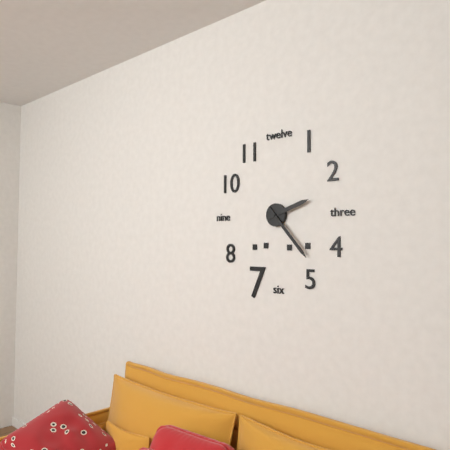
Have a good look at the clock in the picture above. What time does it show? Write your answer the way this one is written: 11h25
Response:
2h23
